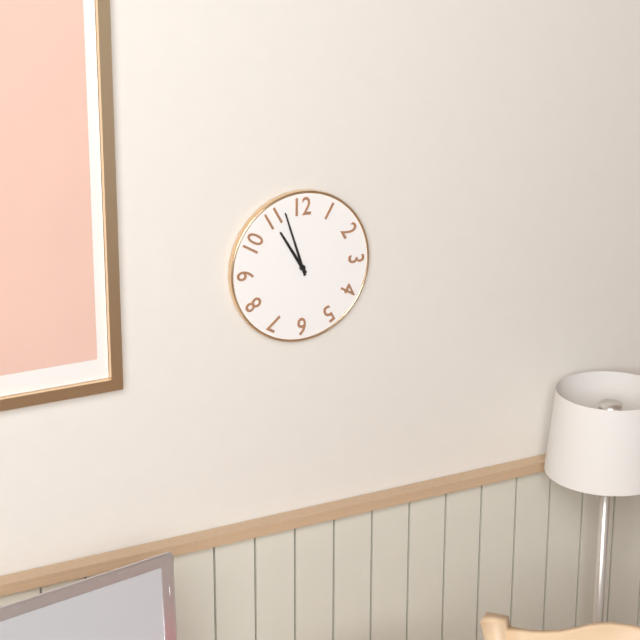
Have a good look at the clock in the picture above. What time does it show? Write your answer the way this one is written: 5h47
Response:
10h57
